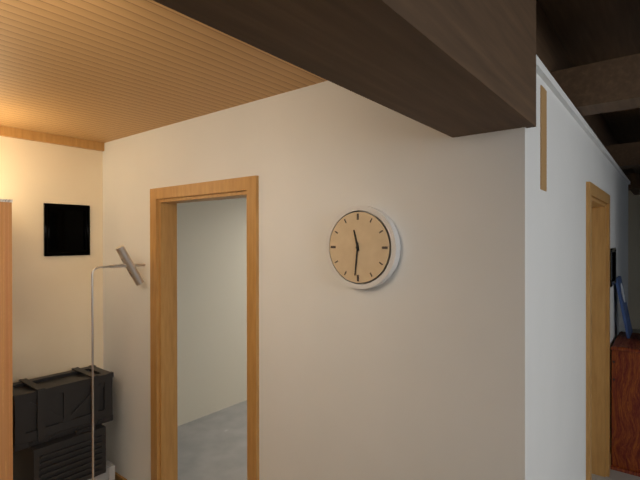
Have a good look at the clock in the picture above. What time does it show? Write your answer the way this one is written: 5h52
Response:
11h31
